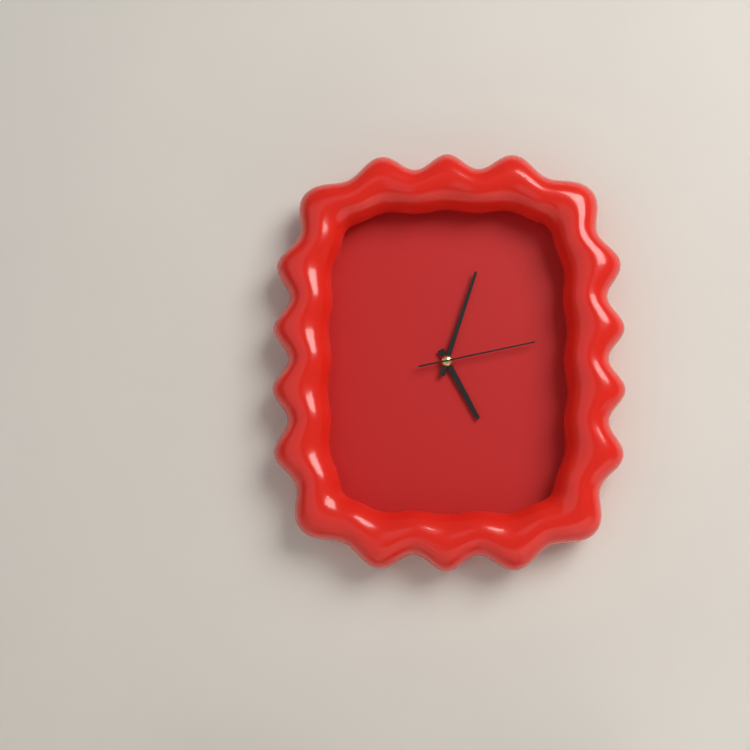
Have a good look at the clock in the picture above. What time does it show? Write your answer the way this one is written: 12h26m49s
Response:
5h03m13s
